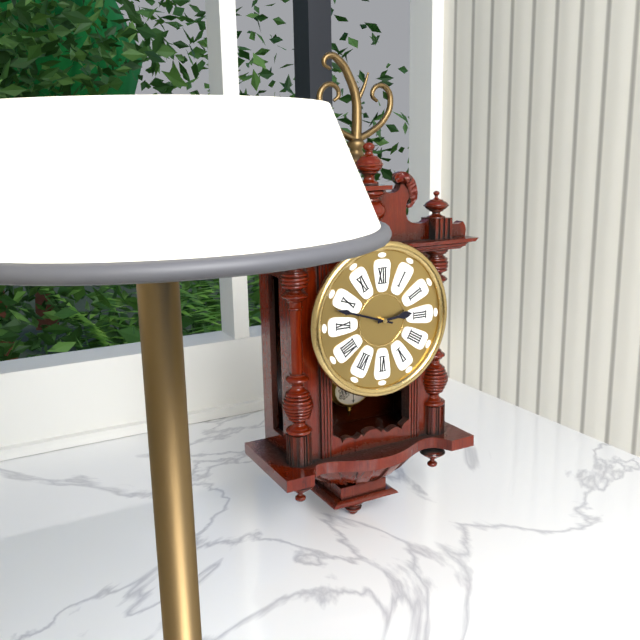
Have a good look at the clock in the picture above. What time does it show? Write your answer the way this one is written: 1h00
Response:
2h48
